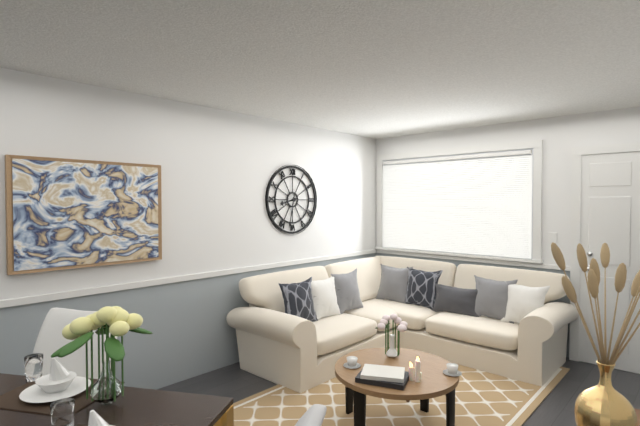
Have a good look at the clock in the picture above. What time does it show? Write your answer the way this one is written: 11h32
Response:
8h32
